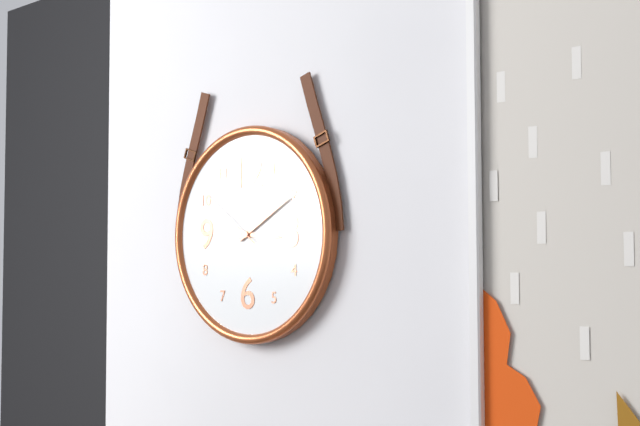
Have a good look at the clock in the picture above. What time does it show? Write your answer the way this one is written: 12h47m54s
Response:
3h10m51s
